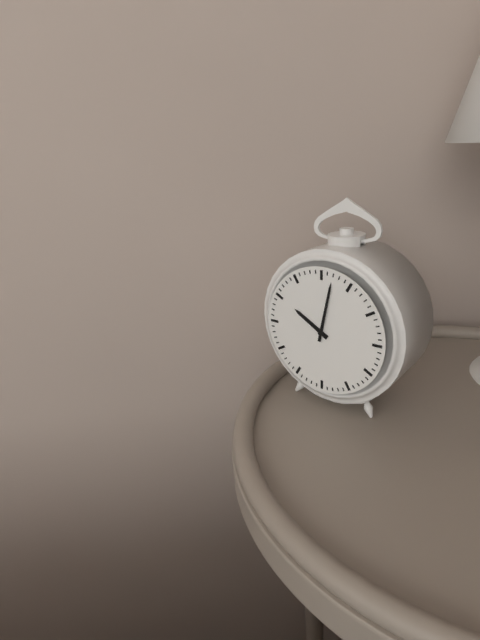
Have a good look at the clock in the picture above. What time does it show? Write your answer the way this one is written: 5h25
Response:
10h02
